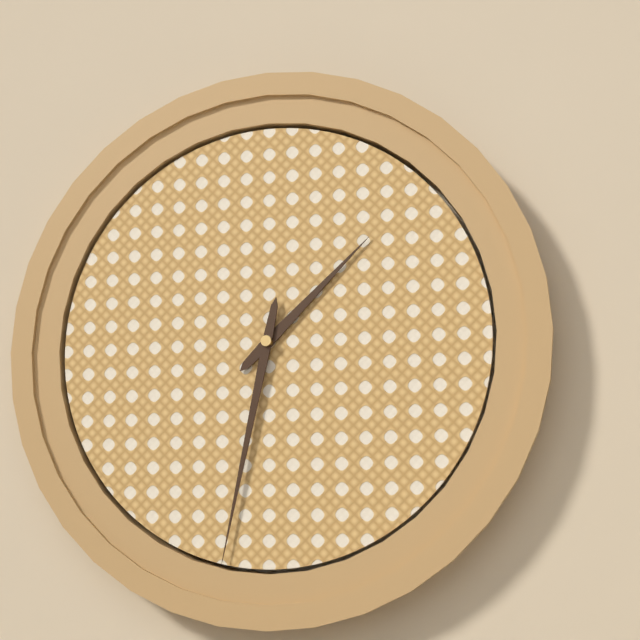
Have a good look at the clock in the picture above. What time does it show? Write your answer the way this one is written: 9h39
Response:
1h32
